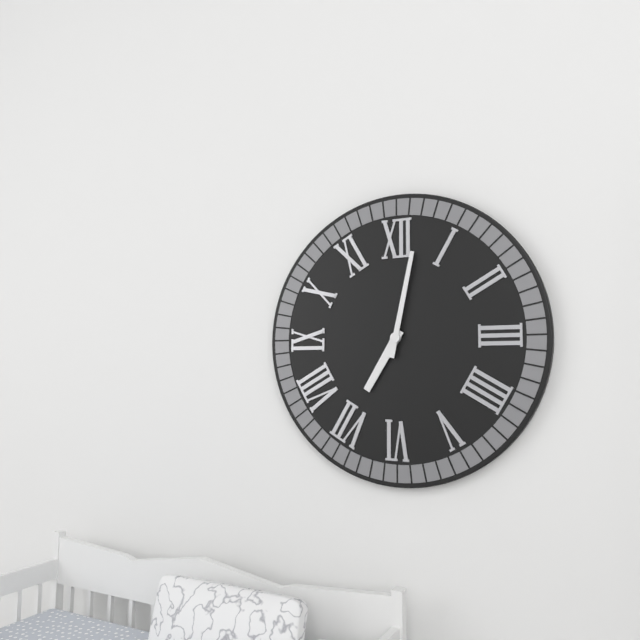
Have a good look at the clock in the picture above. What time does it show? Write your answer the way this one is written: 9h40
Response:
7h02
